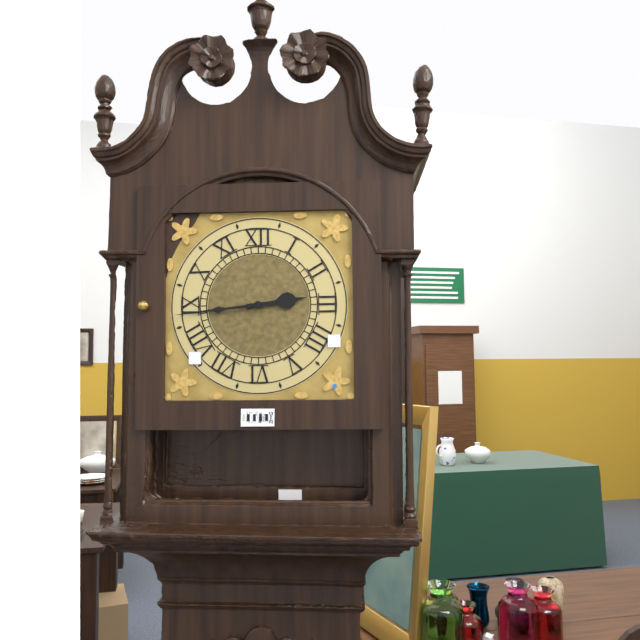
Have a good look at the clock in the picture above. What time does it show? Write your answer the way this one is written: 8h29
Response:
2h44
